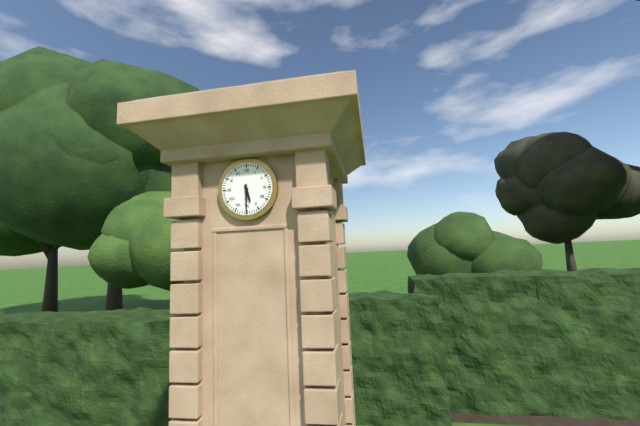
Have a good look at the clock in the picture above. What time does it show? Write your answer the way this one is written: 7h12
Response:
5h30
